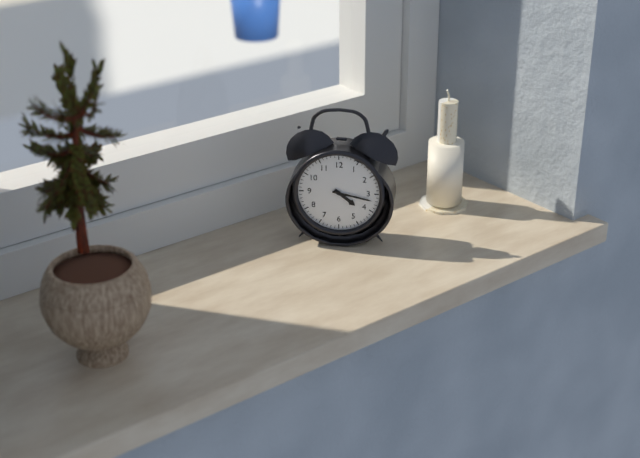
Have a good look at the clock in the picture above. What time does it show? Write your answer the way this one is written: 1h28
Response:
4h17
